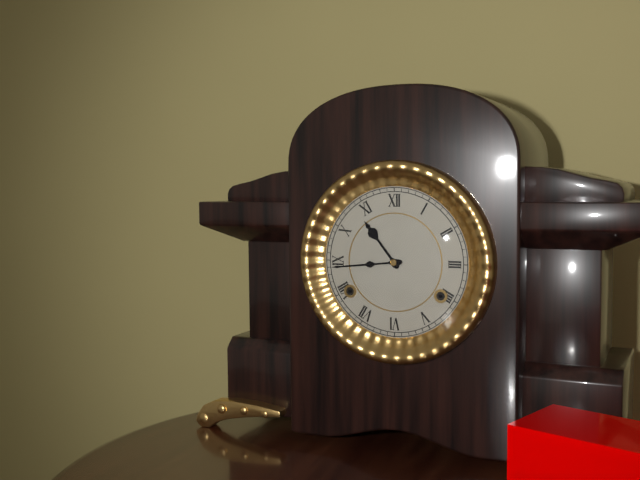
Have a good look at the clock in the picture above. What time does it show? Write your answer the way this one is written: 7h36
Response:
10h44
